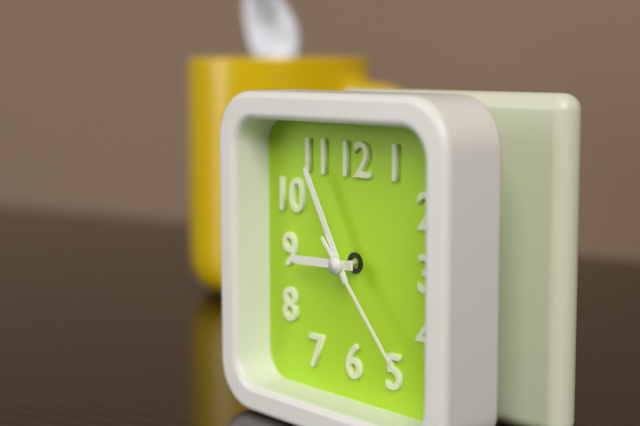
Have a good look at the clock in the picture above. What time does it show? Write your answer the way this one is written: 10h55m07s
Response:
8h55m23s
